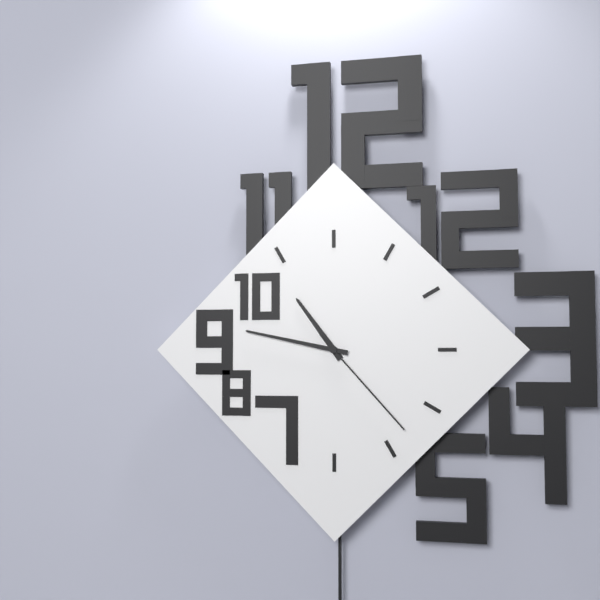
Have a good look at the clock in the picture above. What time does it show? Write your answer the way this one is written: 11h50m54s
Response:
10h47m23s
